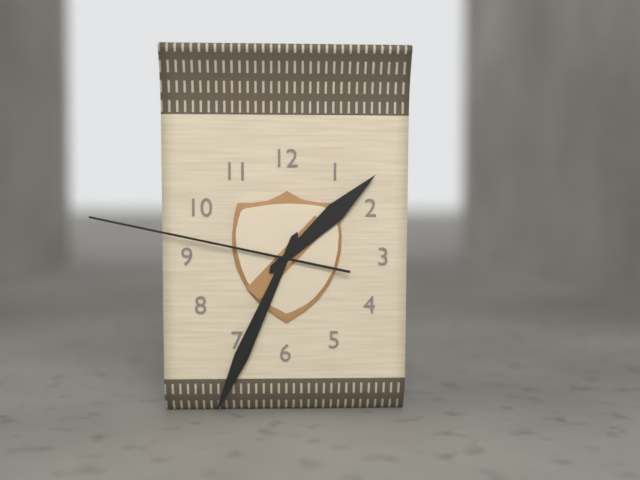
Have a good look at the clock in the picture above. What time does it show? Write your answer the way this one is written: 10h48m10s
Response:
1h34m47s
